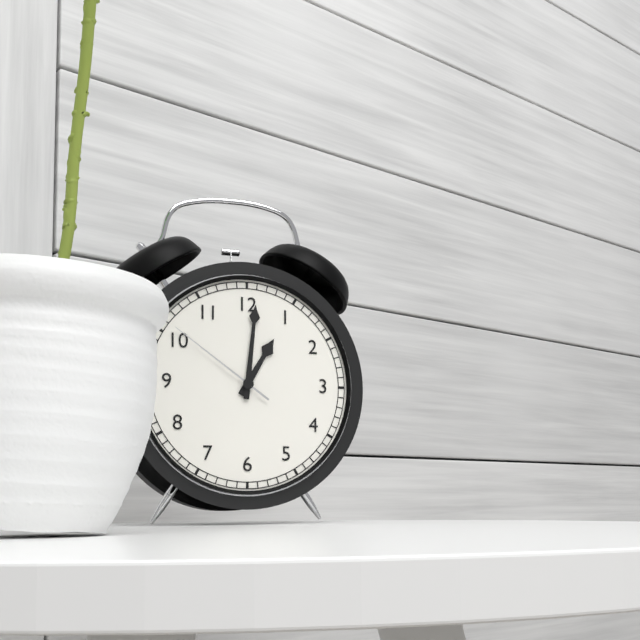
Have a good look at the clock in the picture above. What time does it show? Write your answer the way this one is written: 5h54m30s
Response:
1h01m51s
